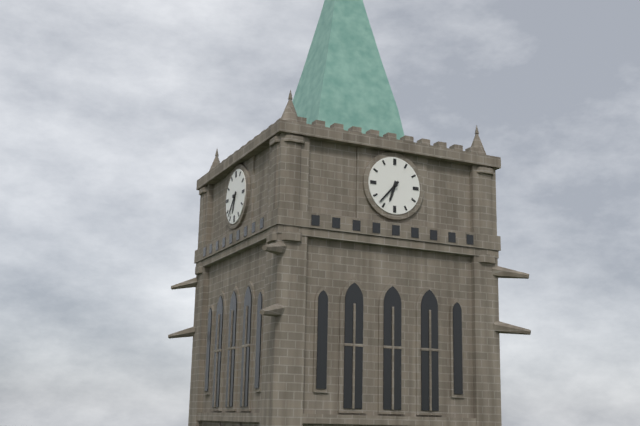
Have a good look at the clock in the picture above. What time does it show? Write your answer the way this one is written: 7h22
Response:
6h37
